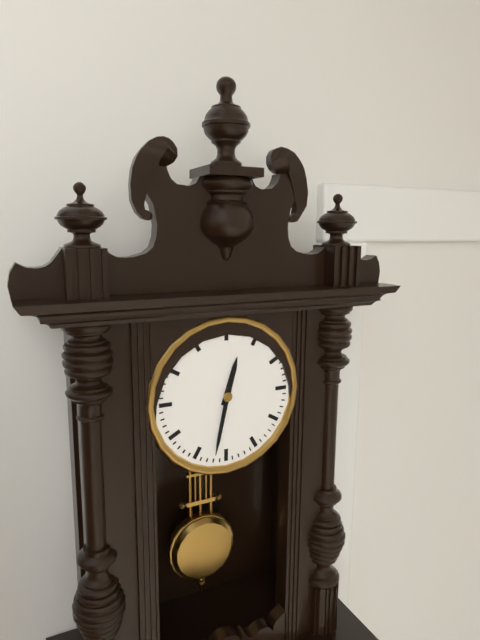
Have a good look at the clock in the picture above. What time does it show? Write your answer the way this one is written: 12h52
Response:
12h32
